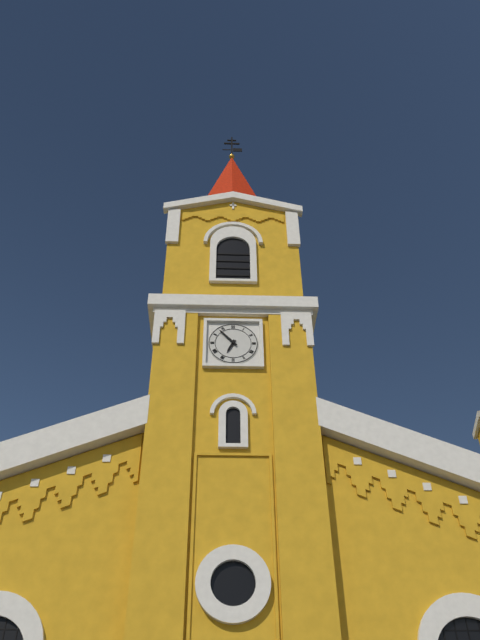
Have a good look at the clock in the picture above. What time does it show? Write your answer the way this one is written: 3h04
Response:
6h53
